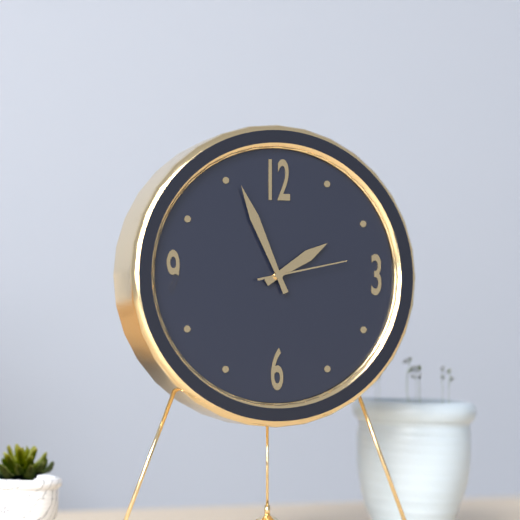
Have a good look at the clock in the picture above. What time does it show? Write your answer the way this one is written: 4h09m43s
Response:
1h56m13s
